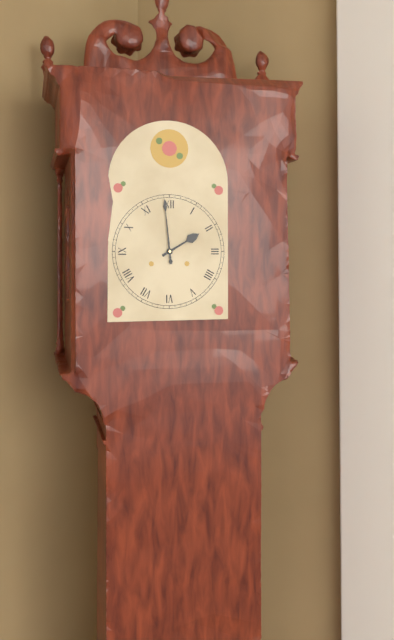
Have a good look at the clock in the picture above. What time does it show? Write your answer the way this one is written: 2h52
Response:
1h59
